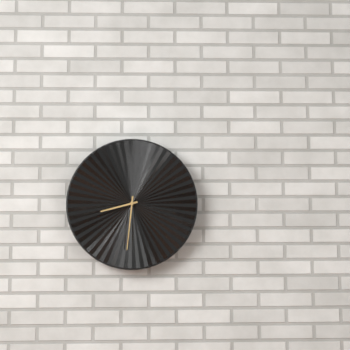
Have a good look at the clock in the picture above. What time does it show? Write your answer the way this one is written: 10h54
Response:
8h31
